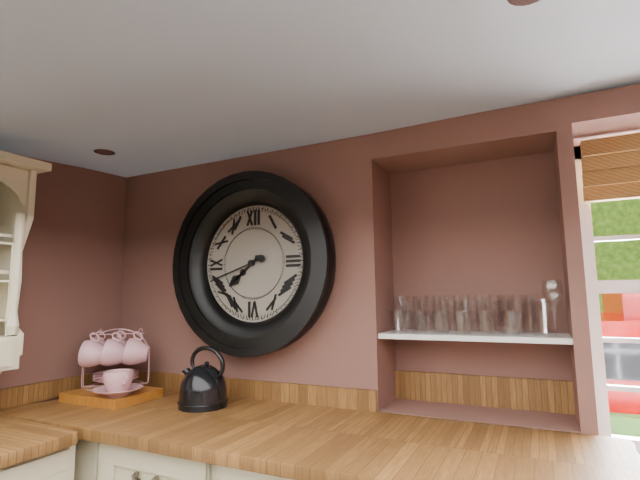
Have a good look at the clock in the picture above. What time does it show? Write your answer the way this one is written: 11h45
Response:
7h42
